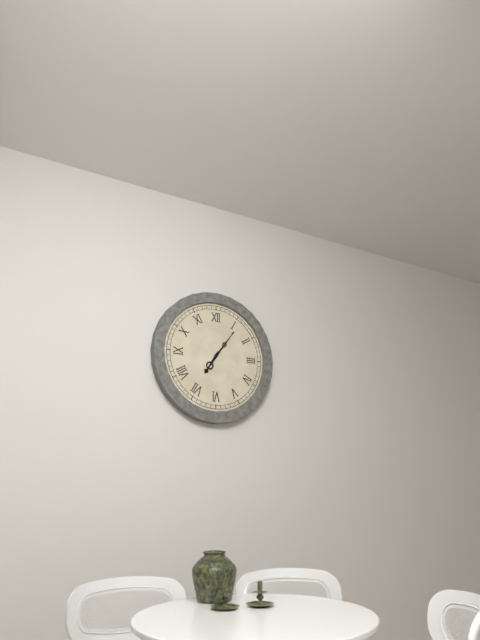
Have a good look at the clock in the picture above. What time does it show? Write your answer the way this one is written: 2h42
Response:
7h06
